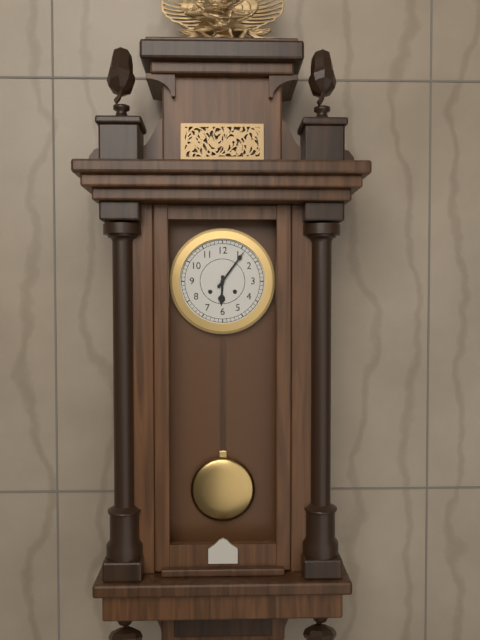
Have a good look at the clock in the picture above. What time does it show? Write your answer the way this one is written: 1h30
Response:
6h06
